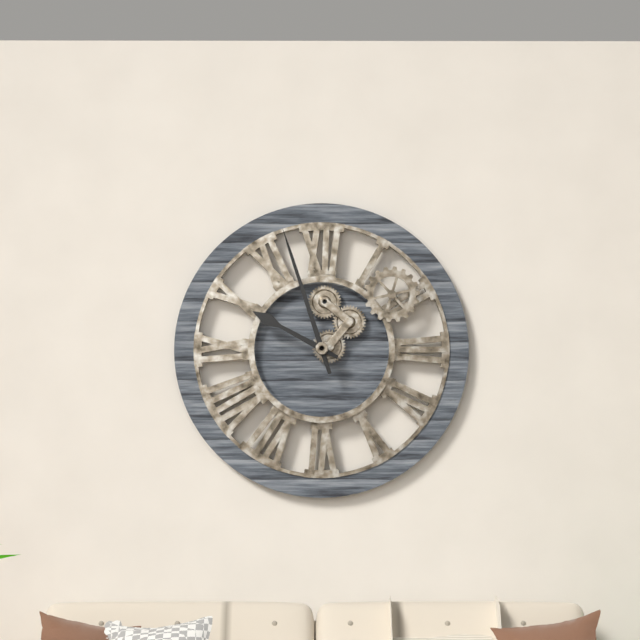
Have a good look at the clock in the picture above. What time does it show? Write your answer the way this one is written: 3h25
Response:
9h57
